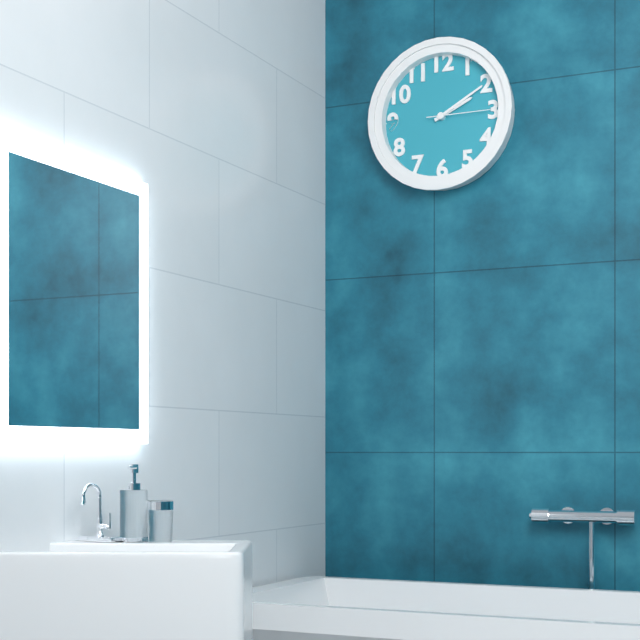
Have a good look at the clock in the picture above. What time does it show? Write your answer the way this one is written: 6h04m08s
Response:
2h10m15s
